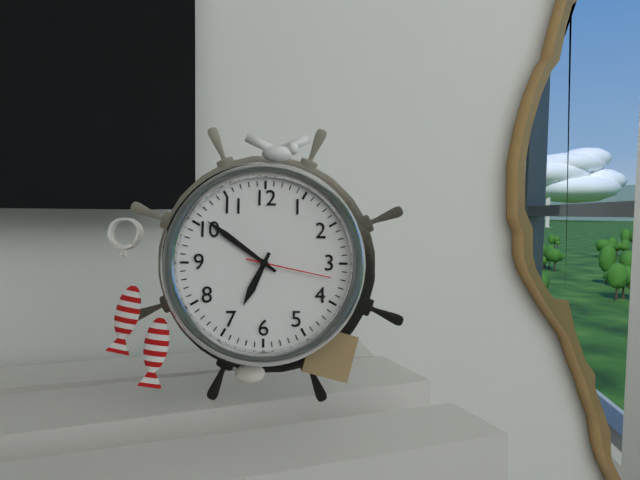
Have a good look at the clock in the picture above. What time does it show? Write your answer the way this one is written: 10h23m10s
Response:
6h51m17s
